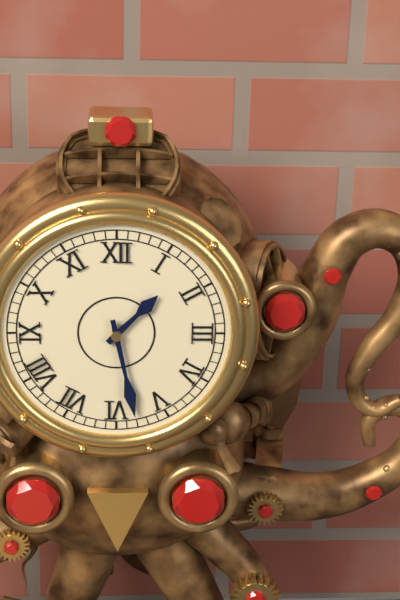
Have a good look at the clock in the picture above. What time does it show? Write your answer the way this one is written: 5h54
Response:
1h28
